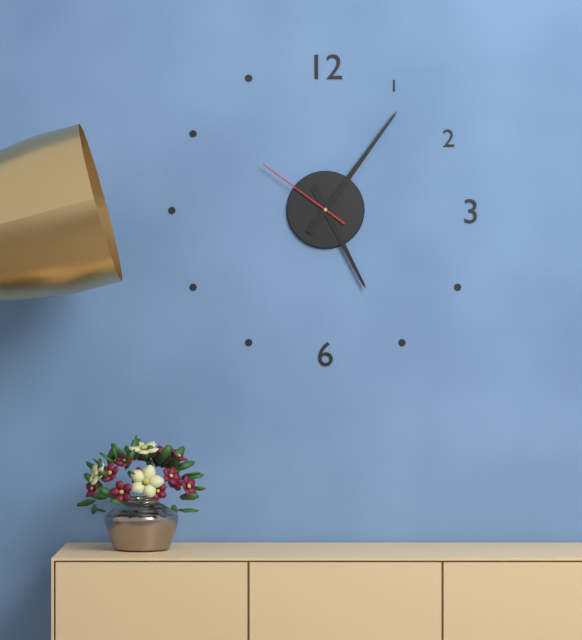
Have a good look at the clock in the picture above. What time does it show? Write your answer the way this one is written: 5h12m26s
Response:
5h06m51s
